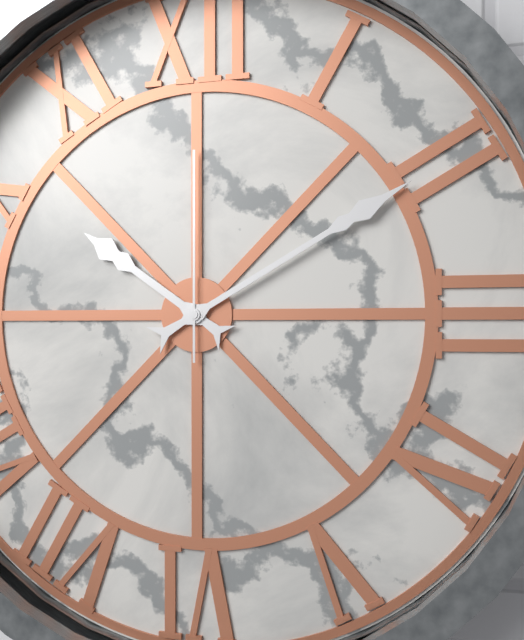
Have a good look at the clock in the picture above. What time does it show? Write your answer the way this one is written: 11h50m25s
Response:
10h10m00s
